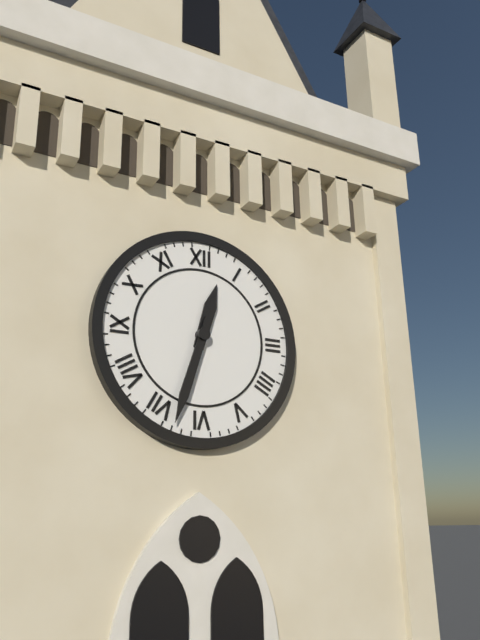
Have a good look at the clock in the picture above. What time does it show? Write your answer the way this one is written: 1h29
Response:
12h33
